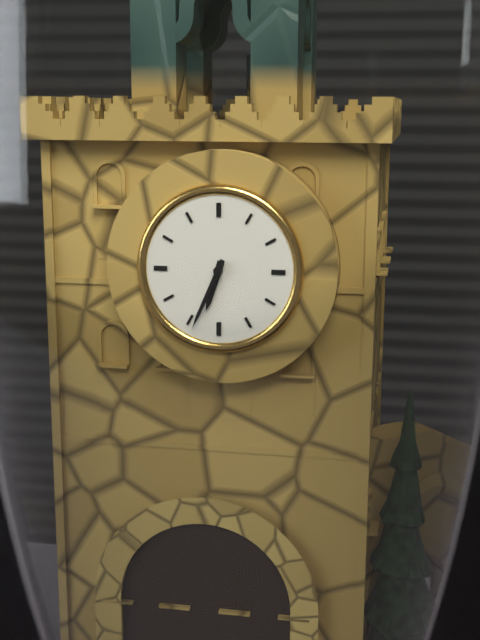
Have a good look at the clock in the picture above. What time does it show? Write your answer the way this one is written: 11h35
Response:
6h34
